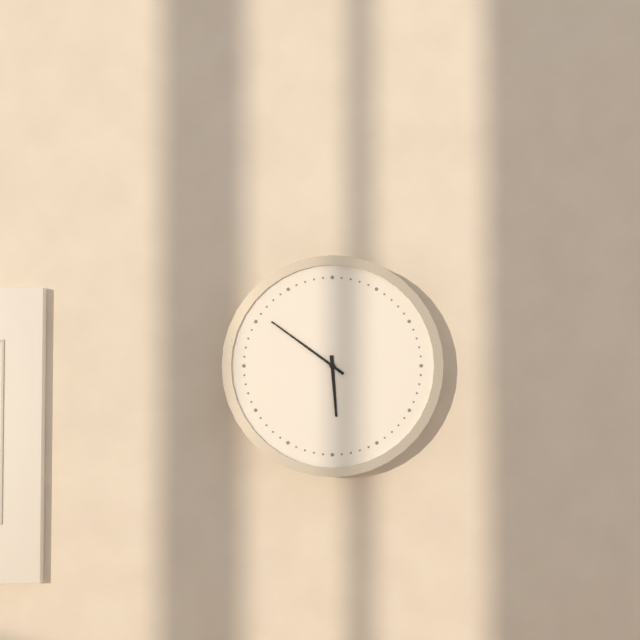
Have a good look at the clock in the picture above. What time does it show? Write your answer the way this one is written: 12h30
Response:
5h51
